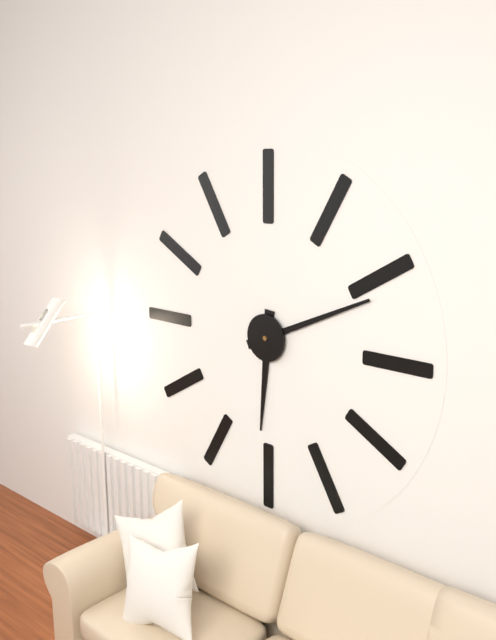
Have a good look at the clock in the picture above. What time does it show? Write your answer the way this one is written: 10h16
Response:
6h11
